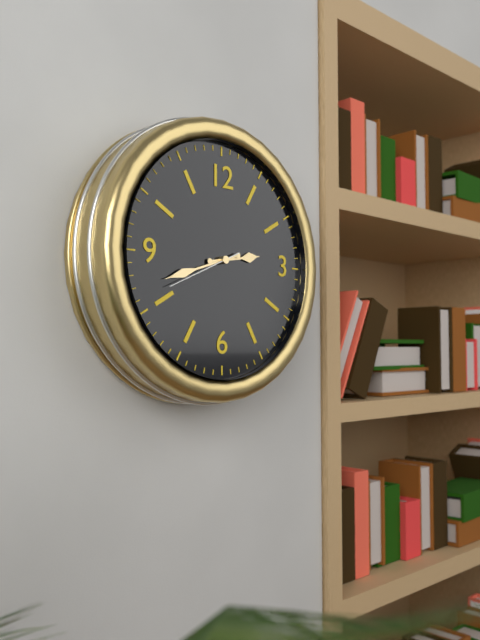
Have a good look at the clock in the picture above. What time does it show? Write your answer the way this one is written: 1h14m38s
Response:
2h42m41s
